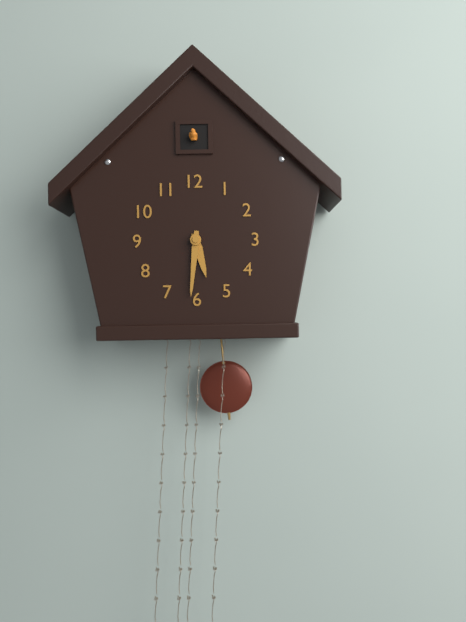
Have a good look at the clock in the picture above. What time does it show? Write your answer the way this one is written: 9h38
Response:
5h31
